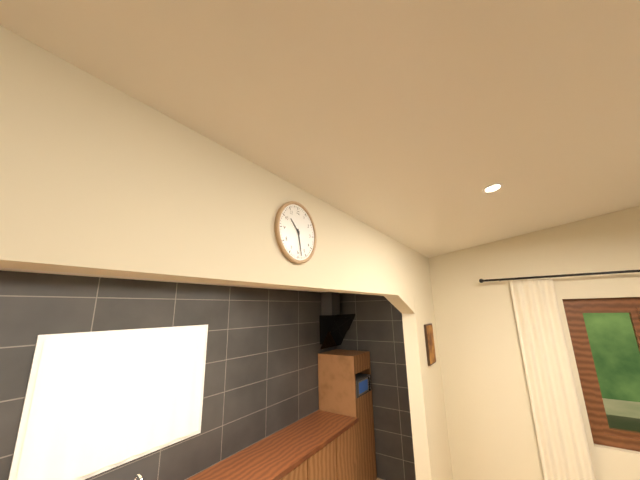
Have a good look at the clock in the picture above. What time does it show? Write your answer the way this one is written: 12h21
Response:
10h28
